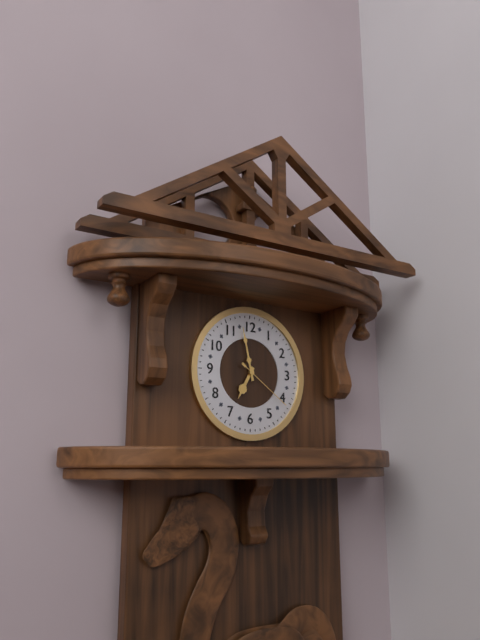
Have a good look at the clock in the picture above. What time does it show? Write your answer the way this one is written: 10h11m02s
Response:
6h58m21s
